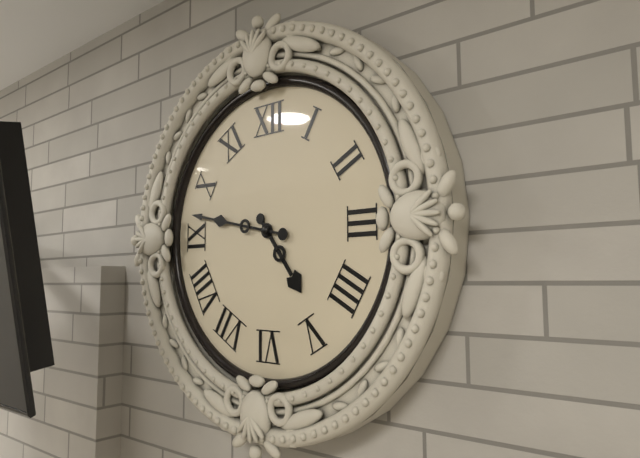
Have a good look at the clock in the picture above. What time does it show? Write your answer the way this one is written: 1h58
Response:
4h47
